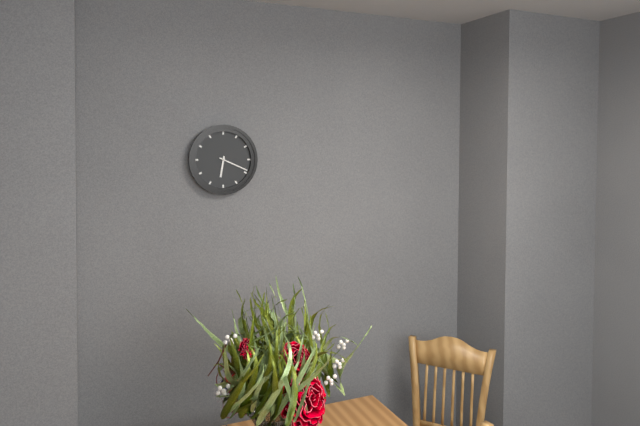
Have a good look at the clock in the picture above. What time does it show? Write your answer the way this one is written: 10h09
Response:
6h19
